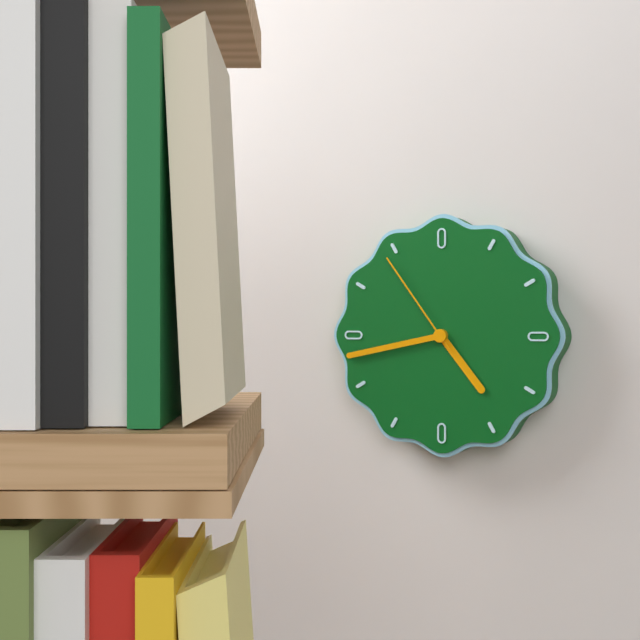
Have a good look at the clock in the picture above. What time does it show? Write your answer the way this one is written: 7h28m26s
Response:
4h43m54s
